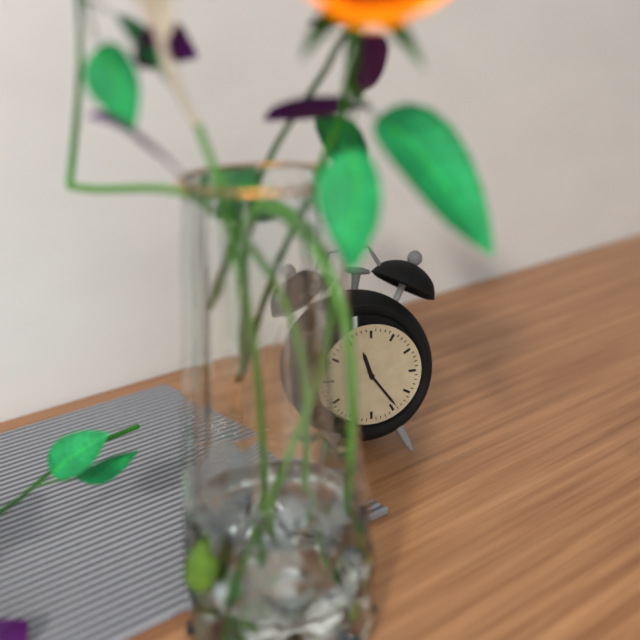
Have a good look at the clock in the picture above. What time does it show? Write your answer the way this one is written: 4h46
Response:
11h24
